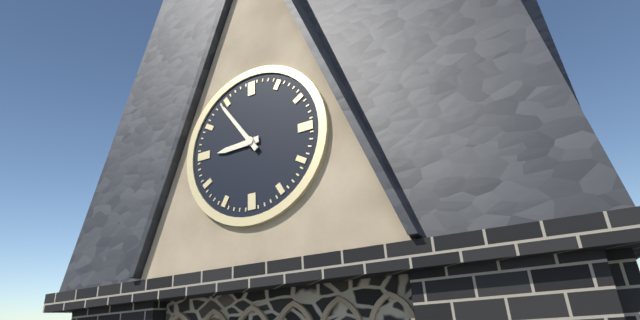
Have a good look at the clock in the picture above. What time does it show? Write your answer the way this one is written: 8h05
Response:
8h54
